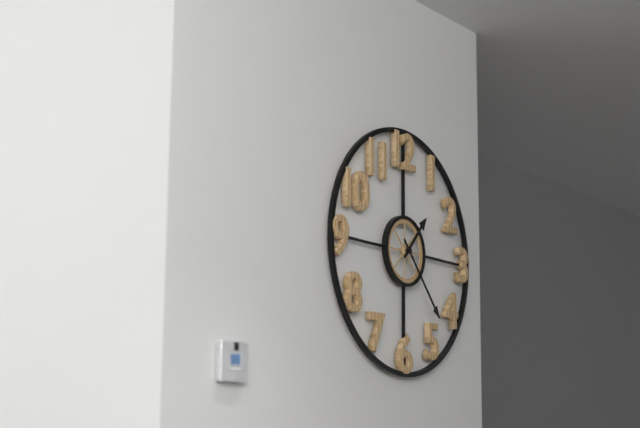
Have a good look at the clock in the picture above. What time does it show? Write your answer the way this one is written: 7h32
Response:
1h23
